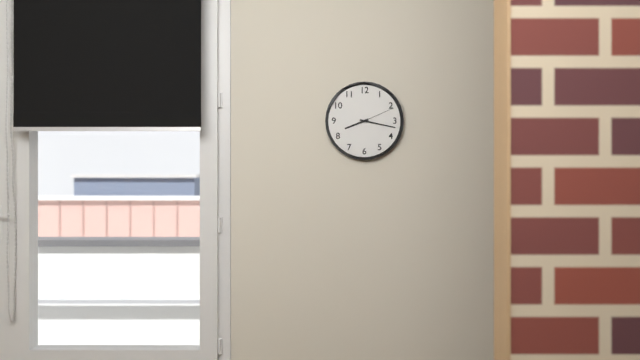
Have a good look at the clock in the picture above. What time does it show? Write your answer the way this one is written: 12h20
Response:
8h17
